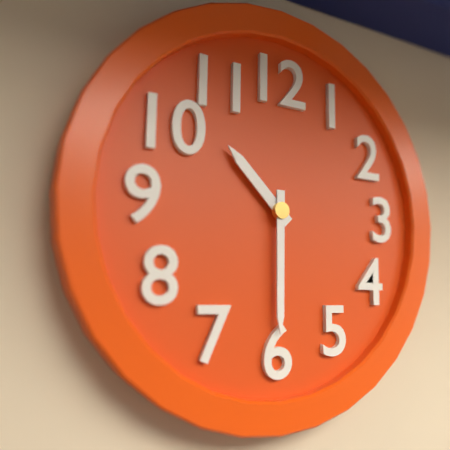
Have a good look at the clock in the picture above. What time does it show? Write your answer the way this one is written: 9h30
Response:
10h30
